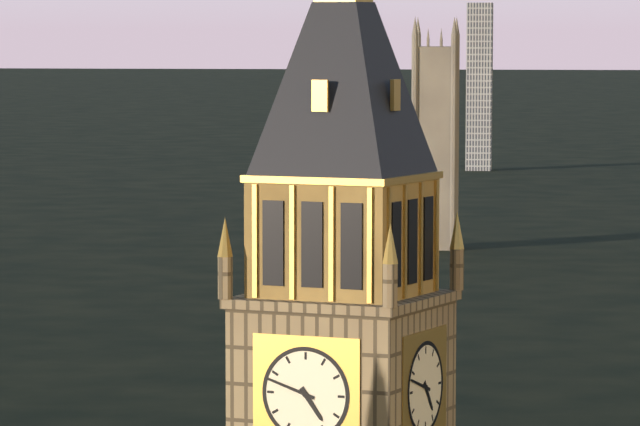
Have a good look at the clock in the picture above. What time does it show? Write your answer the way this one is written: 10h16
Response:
4h48
